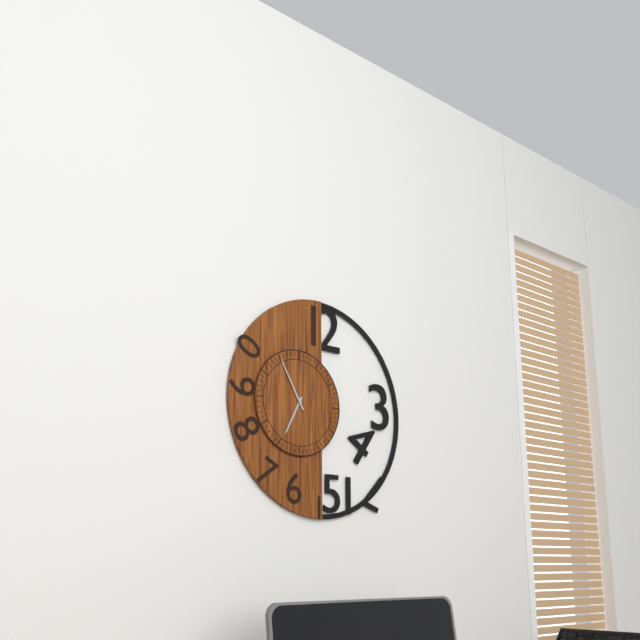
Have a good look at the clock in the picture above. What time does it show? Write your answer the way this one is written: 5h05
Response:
6h55
